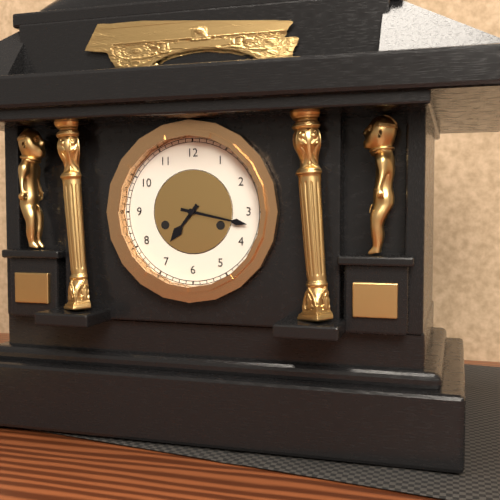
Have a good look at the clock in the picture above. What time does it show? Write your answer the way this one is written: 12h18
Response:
7h17
